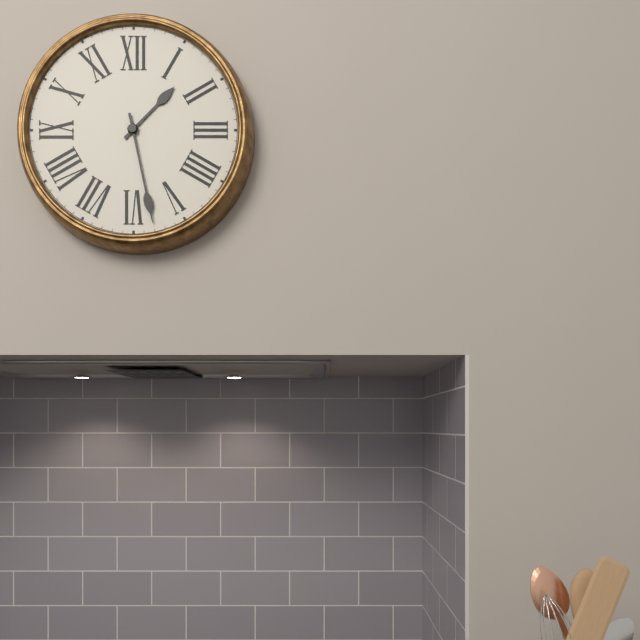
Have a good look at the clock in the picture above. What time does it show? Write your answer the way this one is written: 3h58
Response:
1h28
